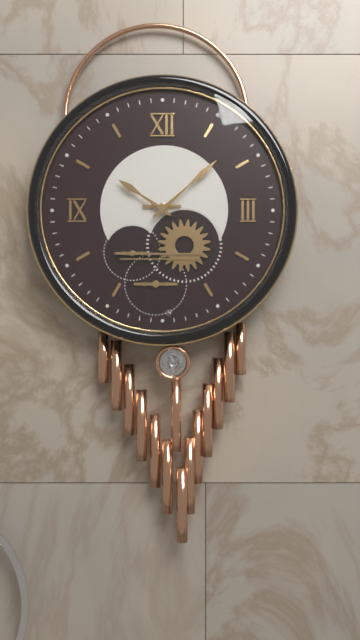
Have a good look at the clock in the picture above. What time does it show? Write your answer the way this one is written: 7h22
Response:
10h08
